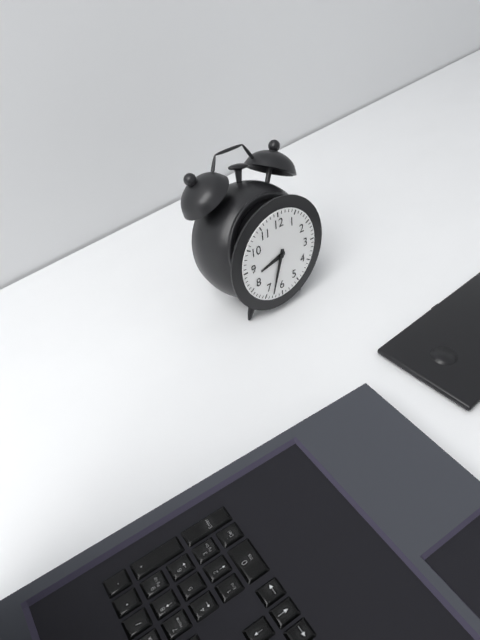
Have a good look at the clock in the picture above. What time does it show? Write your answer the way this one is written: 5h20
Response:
8h33
